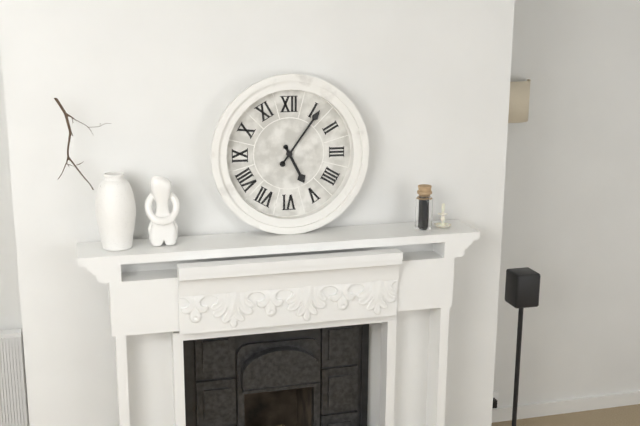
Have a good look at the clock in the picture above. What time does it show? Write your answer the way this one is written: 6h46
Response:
5h06
